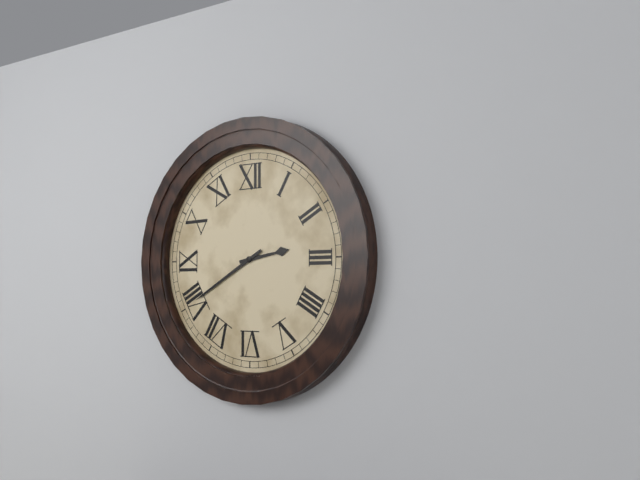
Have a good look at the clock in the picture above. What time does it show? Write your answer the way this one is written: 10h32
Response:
2h40
